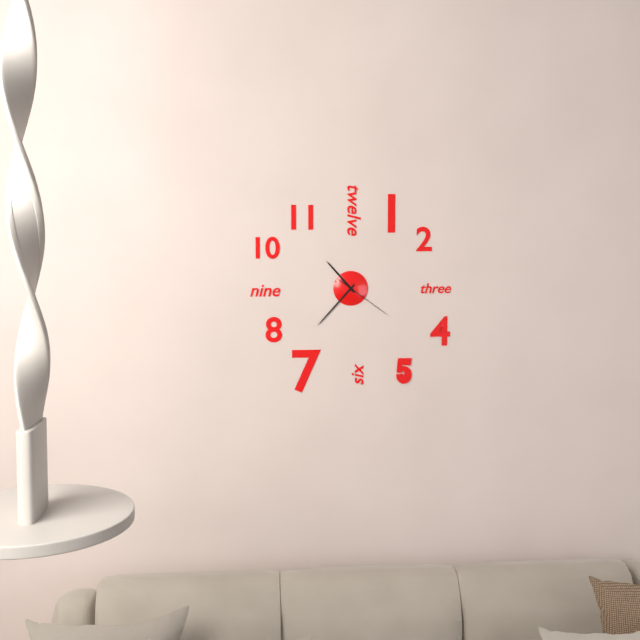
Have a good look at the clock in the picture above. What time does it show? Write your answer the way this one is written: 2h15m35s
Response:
10h37m21s
